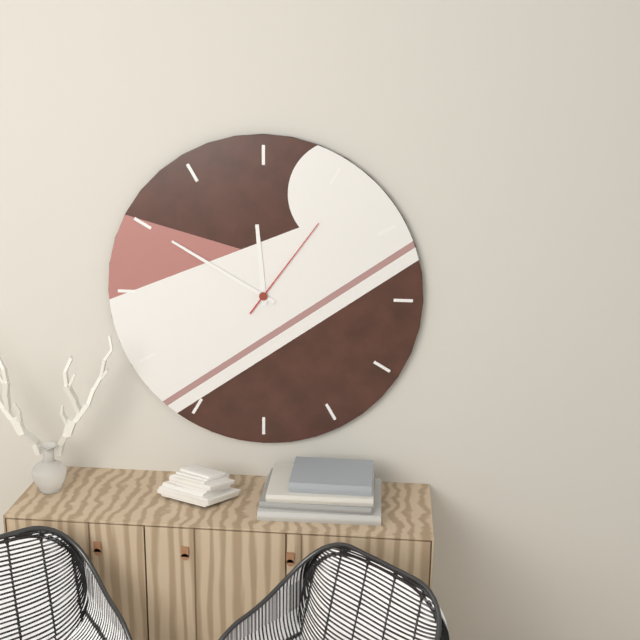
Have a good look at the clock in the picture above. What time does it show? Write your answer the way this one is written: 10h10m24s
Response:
11h50m06s
